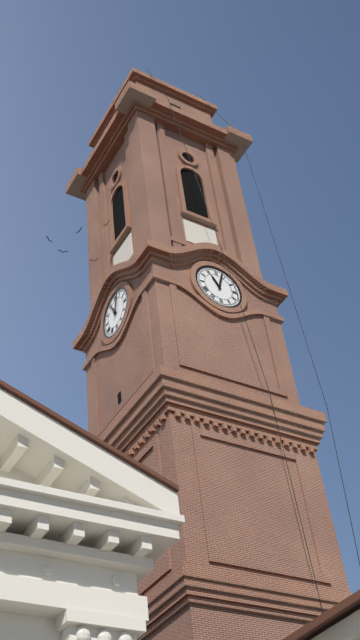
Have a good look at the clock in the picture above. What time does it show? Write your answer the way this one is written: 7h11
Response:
11h03
